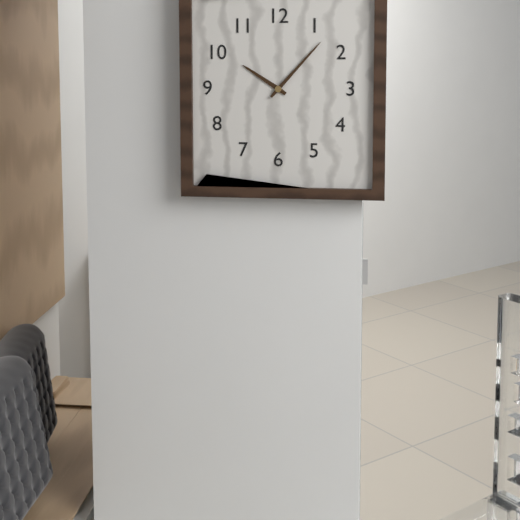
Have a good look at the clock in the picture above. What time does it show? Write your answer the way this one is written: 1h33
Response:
10h07
